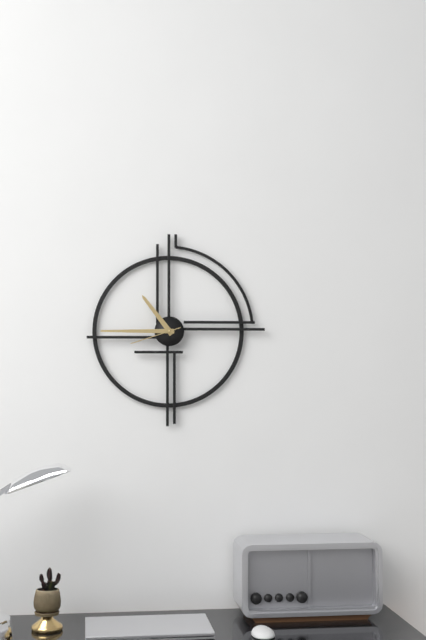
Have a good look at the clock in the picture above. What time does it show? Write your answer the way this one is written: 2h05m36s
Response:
10h45m42s
